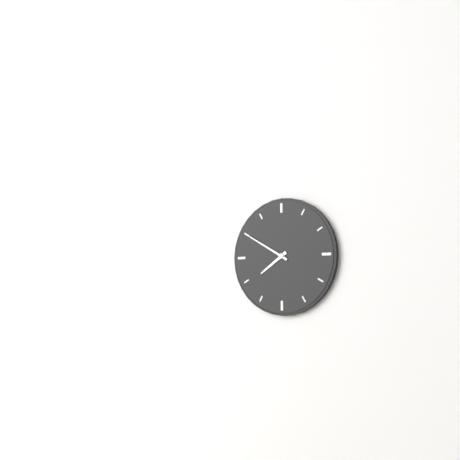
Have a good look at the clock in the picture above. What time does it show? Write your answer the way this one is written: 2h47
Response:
7h50
